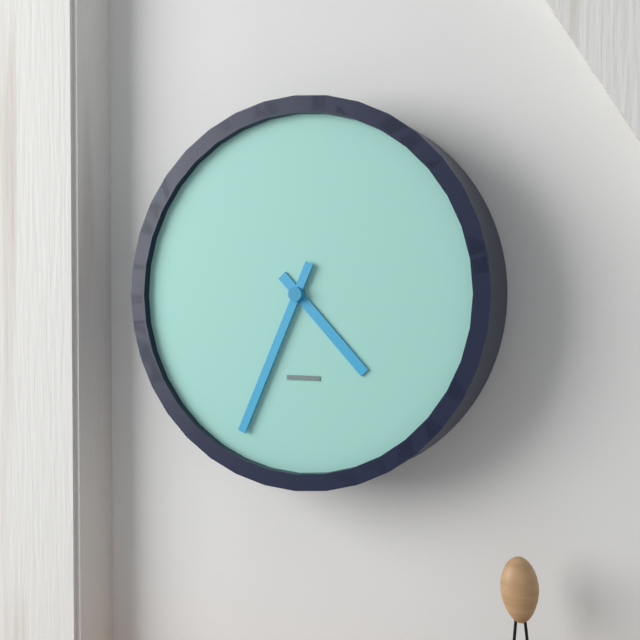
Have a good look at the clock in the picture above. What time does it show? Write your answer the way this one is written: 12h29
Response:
4h34
